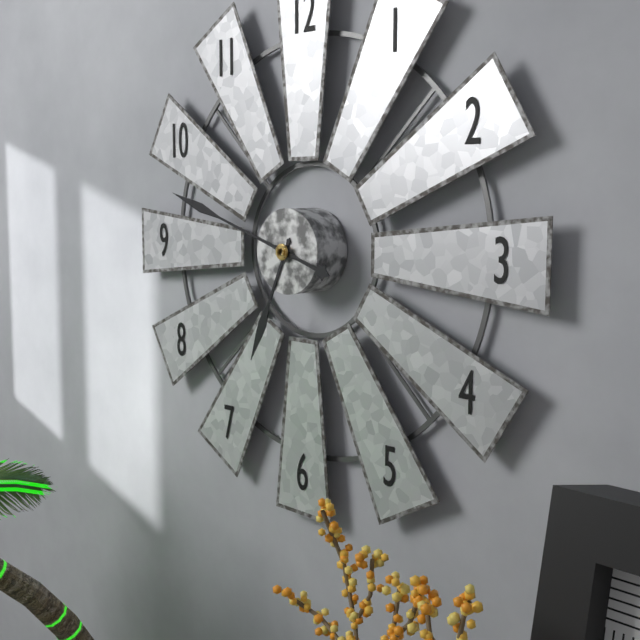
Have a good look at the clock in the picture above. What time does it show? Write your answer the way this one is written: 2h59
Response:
6h48
